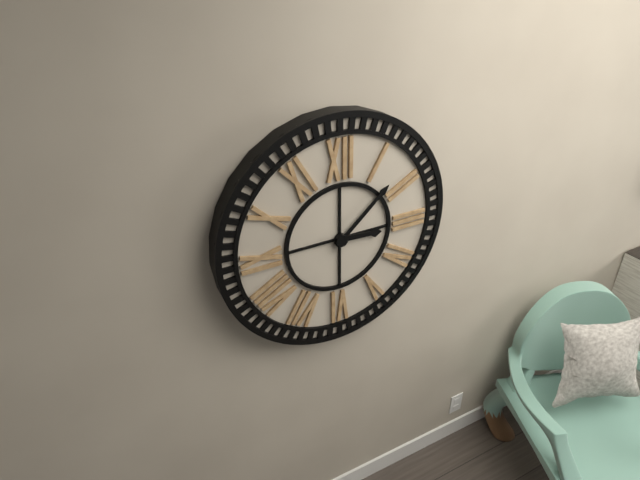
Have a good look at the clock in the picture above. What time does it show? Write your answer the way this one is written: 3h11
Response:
3h08
